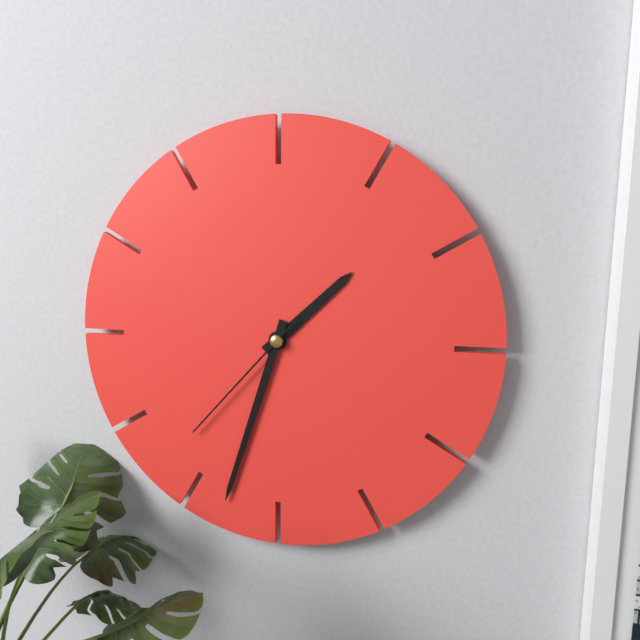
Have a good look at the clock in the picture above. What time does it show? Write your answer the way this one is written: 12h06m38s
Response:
1h33m37s
